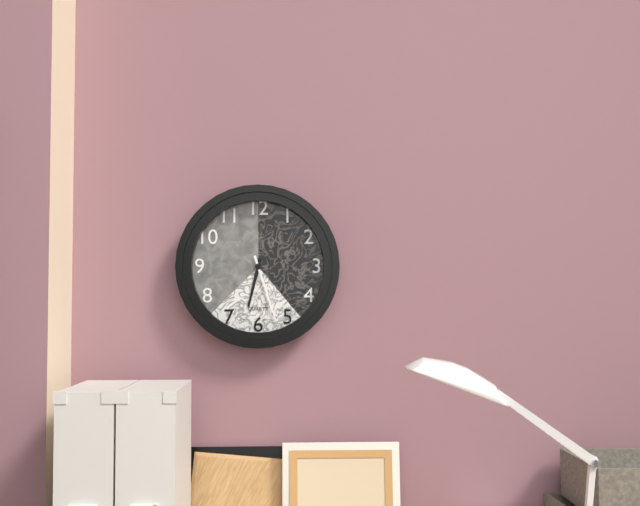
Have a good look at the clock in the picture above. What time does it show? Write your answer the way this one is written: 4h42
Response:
6h27
